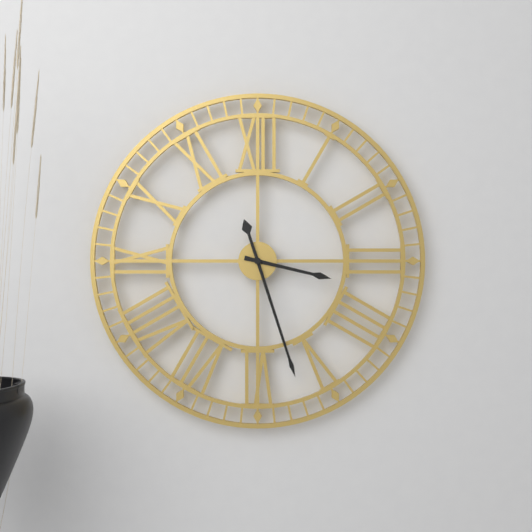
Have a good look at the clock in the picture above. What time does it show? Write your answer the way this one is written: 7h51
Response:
3h27
